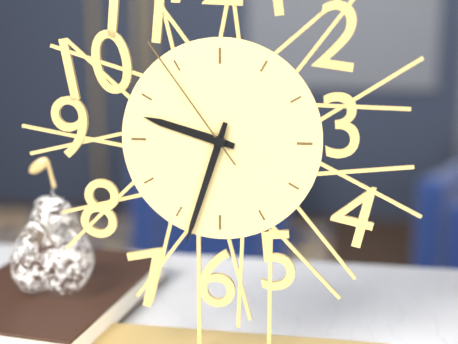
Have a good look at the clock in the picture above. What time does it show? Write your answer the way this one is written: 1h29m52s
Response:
9h33m54s
